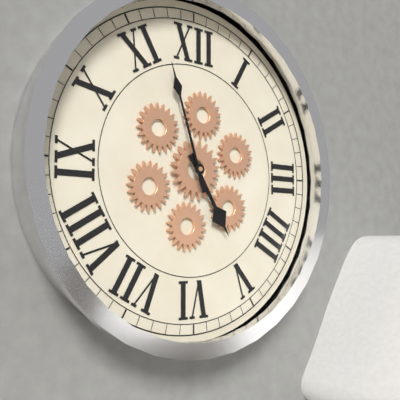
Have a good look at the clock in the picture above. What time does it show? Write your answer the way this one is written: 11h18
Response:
4h57
